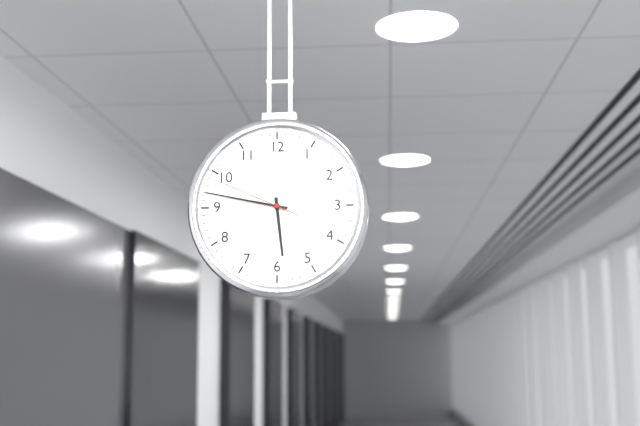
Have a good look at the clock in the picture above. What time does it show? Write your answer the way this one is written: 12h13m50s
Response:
5h47m49s
